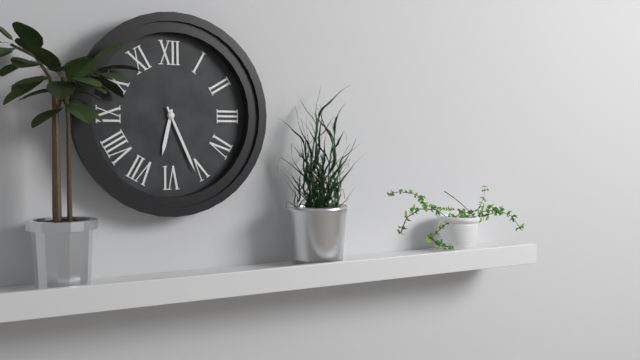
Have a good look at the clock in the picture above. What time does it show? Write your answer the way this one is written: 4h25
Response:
6h26
